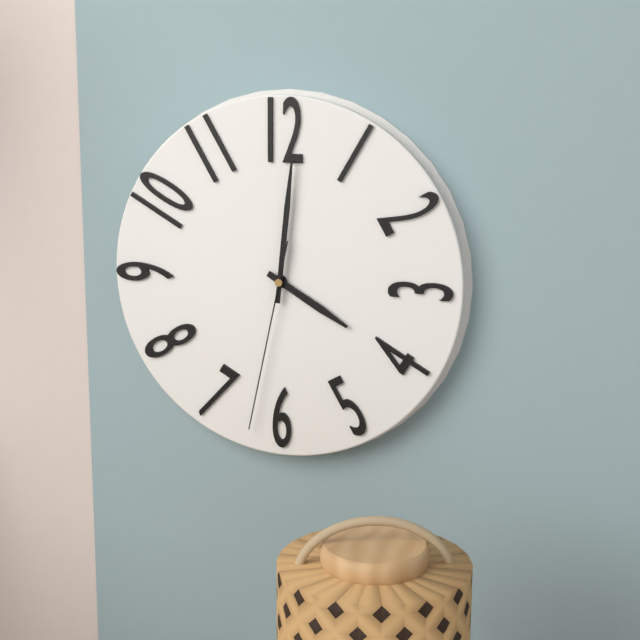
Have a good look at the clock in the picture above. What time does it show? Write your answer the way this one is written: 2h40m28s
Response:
4h01m32s
